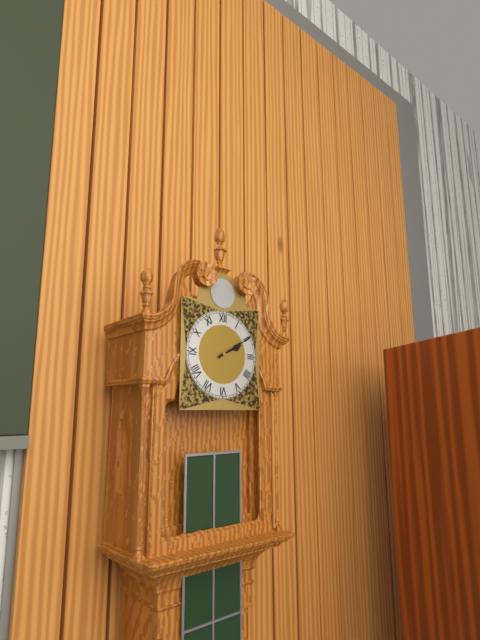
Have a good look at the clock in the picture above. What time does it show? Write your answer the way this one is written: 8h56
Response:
2h10
